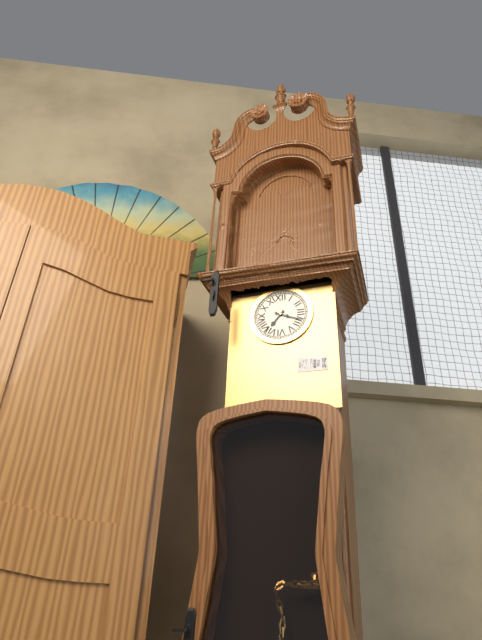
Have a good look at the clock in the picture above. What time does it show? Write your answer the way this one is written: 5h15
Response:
7h19
